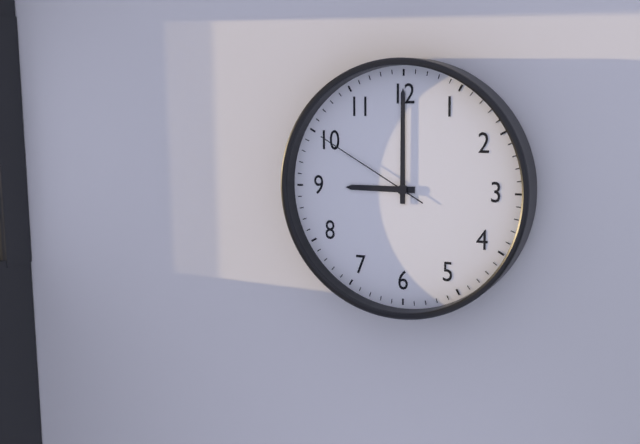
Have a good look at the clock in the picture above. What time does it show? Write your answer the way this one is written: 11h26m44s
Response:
9h00m50s
